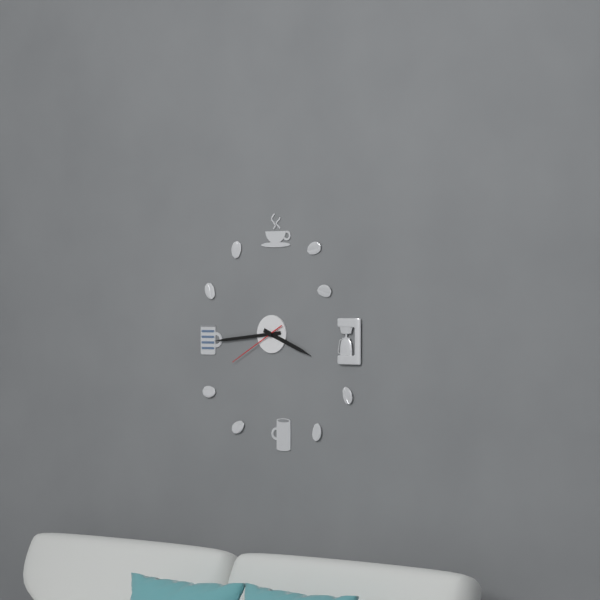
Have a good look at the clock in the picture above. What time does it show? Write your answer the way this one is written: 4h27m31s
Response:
3h44m40s
